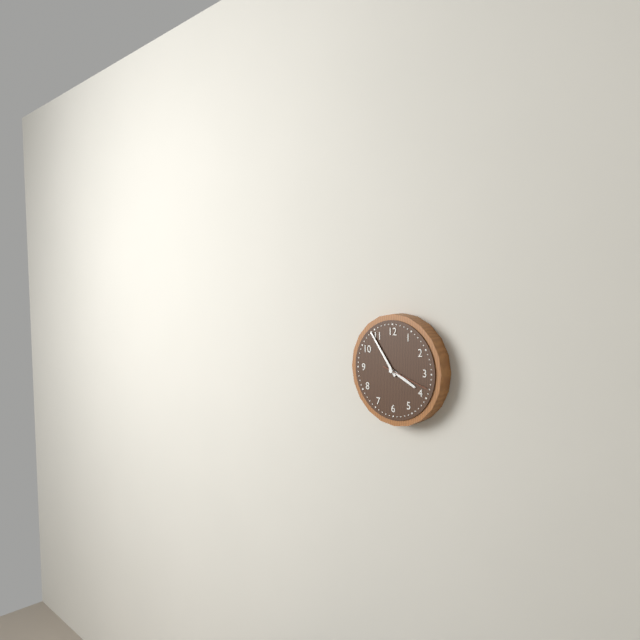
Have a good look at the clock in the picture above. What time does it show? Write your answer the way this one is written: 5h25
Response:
3h54
